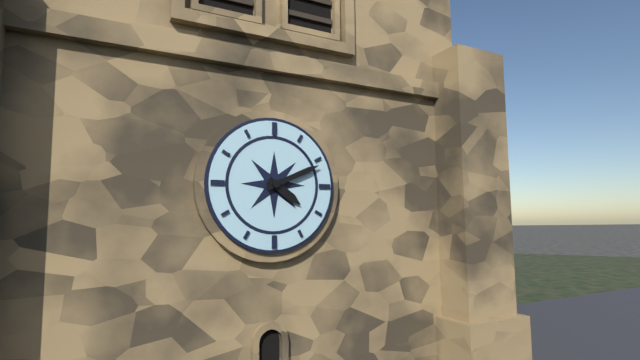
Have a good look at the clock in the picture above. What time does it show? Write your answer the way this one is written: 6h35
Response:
4h11
